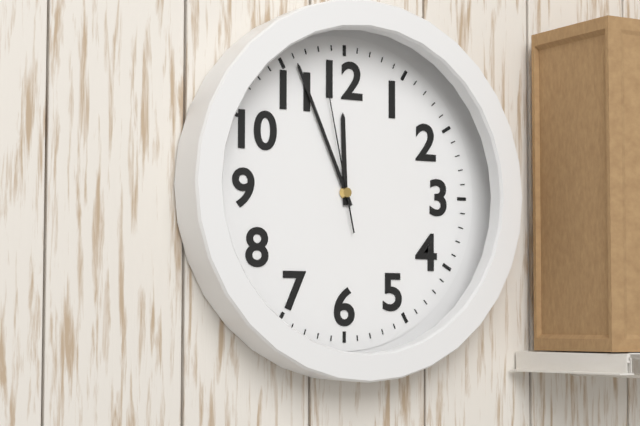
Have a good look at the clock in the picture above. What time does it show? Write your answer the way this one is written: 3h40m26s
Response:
11h56m58s
